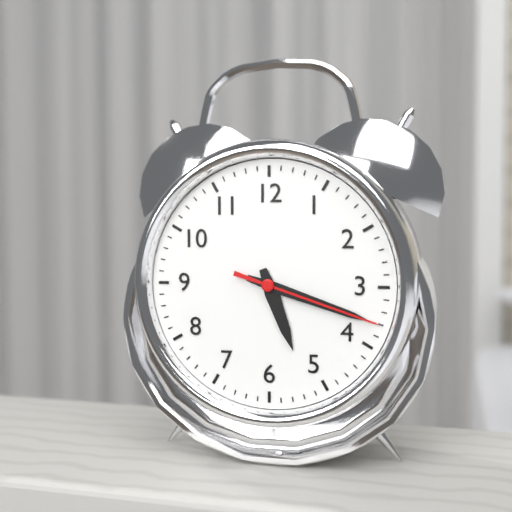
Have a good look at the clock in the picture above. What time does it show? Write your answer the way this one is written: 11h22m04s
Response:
5h18m18s
